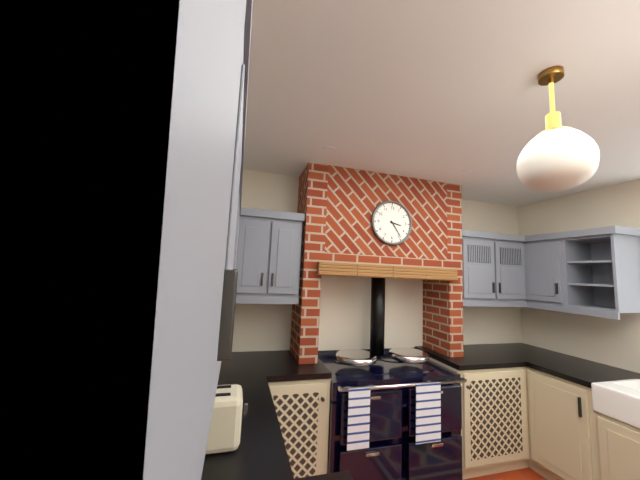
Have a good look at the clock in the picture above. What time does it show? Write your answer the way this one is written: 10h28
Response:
3h24
